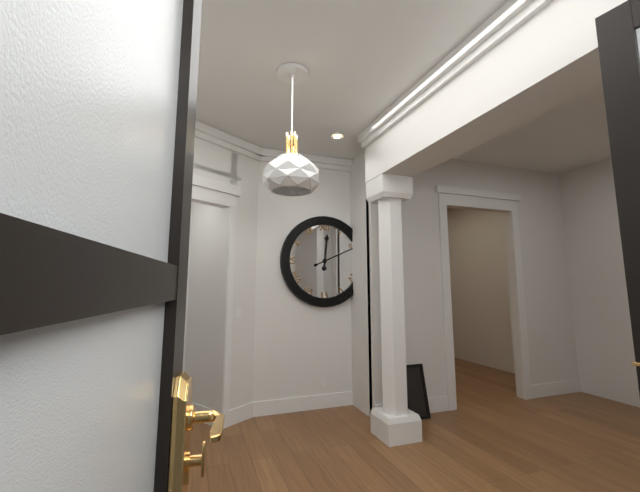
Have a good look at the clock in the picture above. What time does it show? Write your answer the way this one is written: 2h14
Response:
12h11
